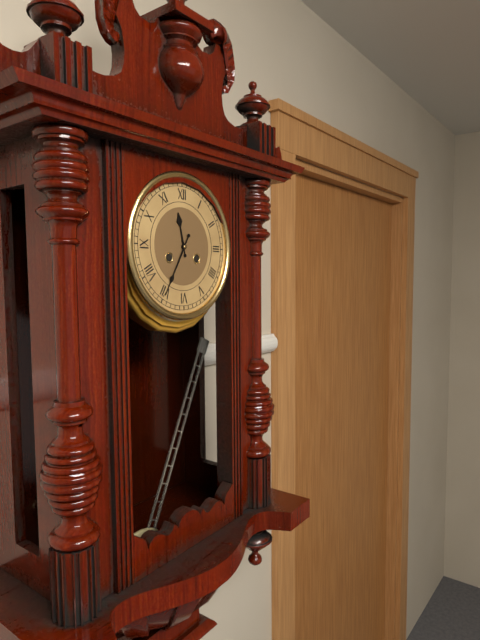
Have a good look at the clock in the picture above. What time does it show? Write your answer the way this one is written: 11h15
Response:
11h35
